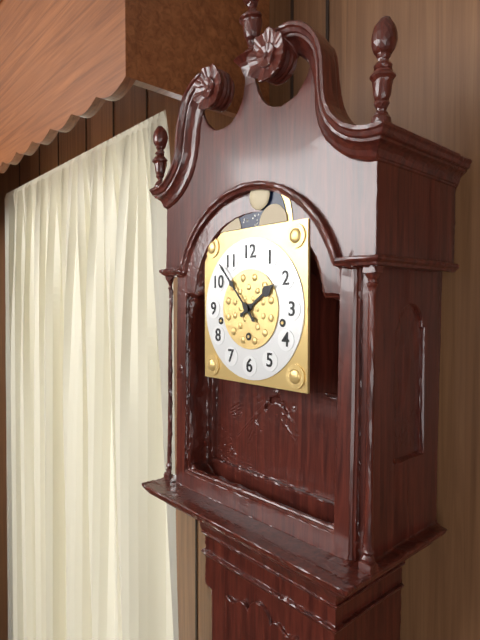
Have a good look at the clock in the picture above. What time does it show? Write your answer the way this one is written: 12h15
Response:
1h53
